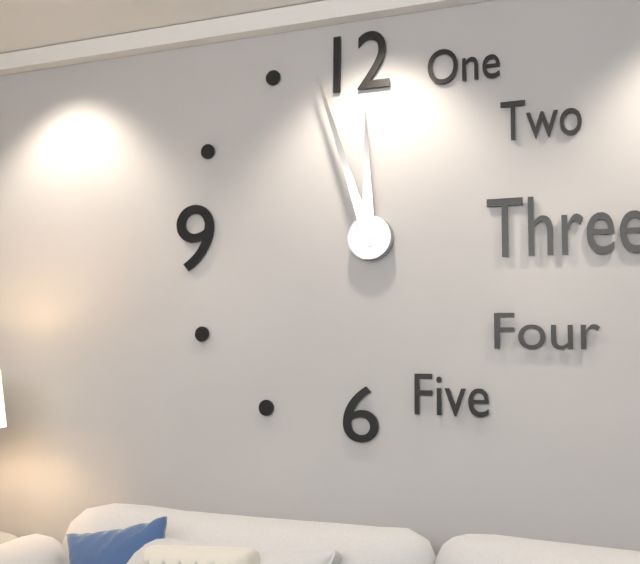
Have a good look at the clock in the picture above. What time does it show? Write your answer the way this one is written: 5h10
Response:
11h57
